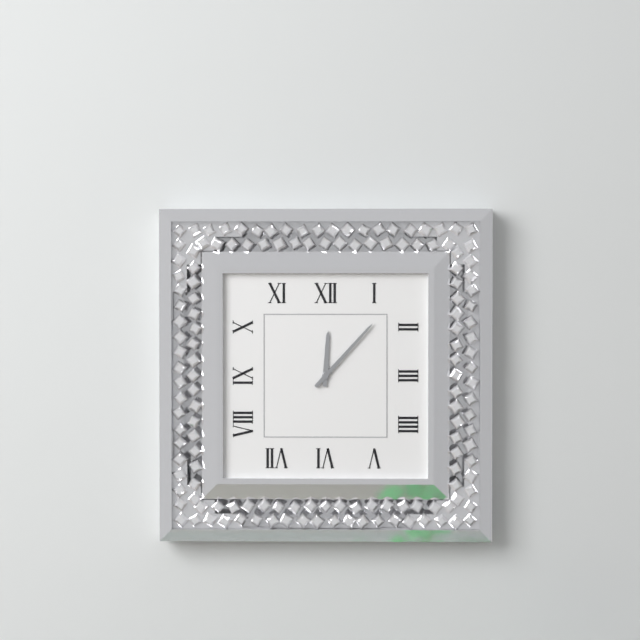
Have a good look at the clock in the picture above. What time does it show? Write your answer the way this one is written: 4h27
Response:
12h07
